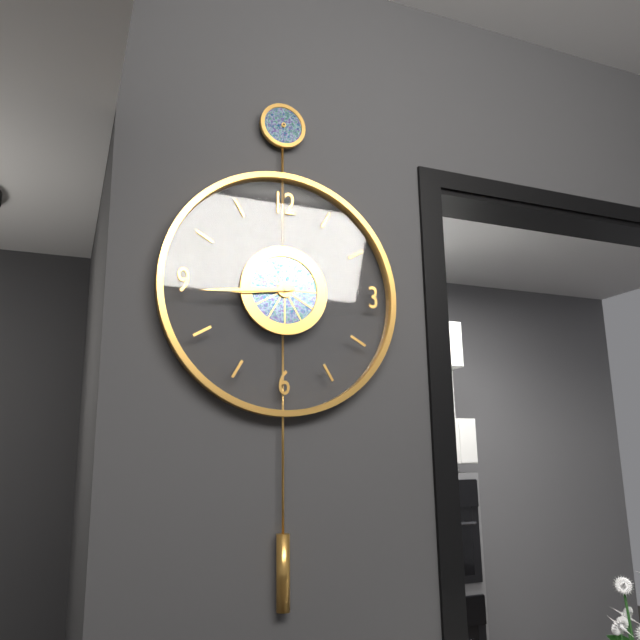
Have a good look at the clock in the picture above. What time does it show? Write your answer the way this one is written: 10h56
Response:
8h44
